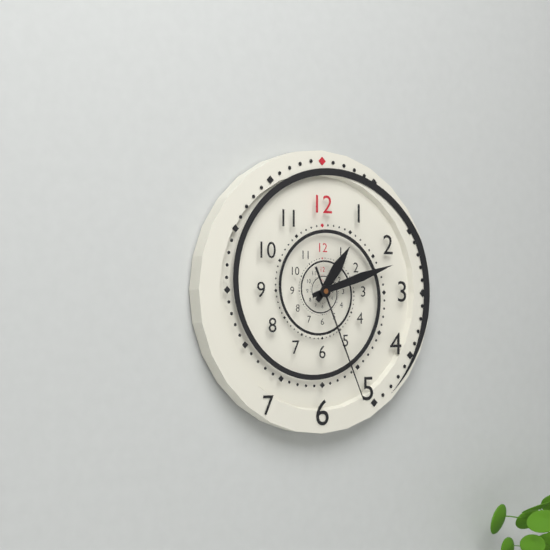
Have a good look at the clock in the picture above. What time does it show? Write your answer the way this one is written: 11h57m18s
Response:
1h12m26s
